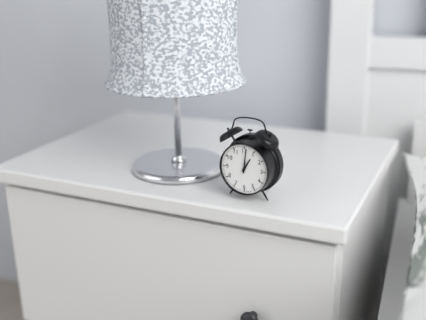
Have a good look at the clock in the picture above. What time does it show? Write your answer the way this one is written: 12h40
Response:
1h01
